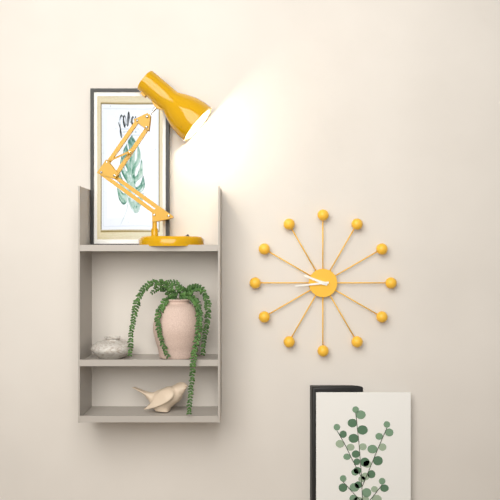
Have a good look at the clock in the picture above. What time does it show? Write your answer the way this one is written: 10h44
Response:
9h44
